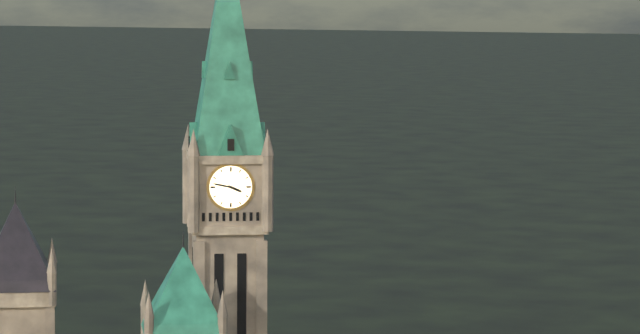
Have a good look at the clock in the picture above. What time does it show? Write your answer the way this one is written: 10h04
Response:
3h47
